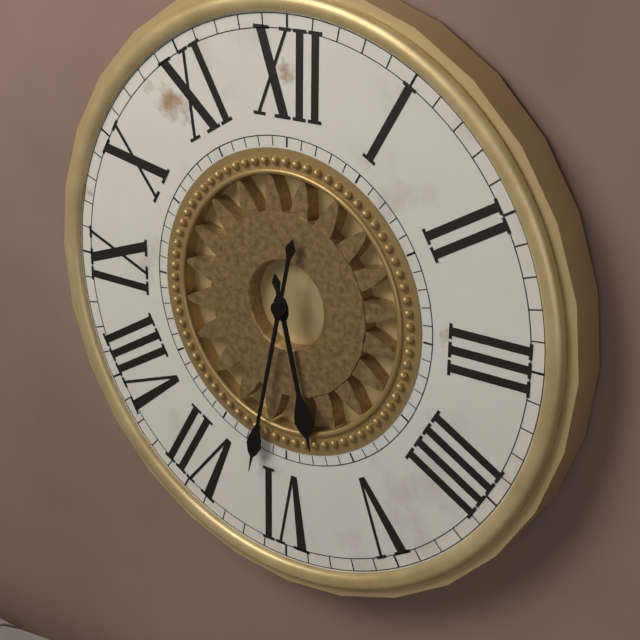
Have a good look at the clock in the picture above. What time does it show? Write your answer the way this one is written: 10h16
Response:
5h32
